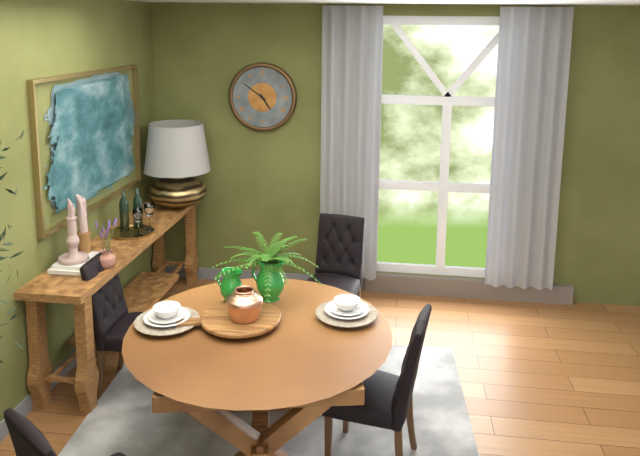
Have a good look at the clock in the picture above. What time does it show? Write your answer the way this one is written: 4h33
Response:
4h51
